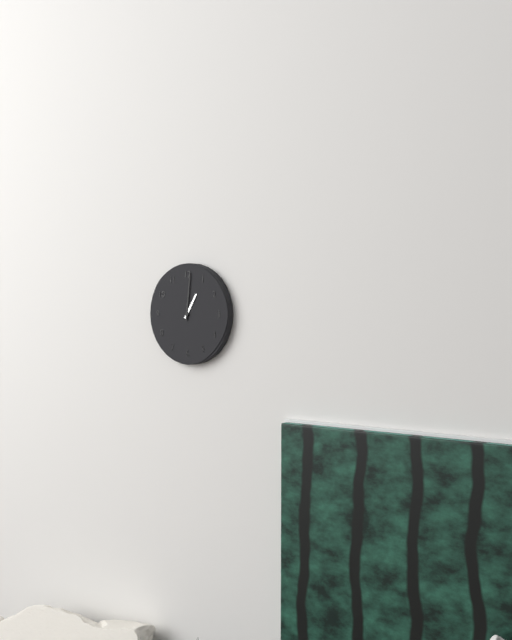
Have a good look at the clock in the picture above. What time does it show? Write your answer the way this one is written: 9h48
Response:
1h01
